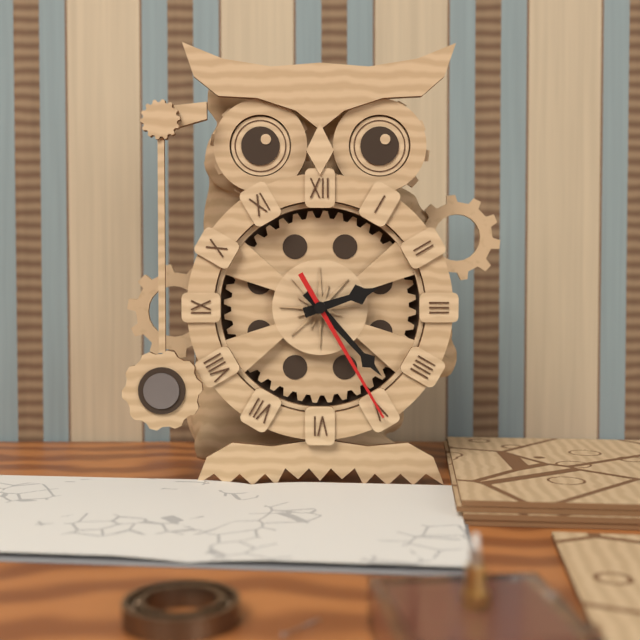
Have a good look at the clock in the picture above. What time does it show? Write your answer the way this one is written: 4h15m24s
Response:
2h23m25s
